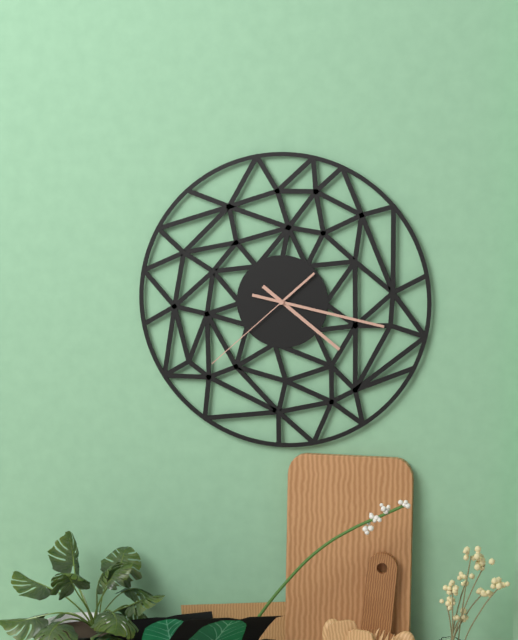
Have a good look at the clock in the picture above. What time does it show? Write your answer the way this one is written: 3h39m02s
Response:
4h17m38s
